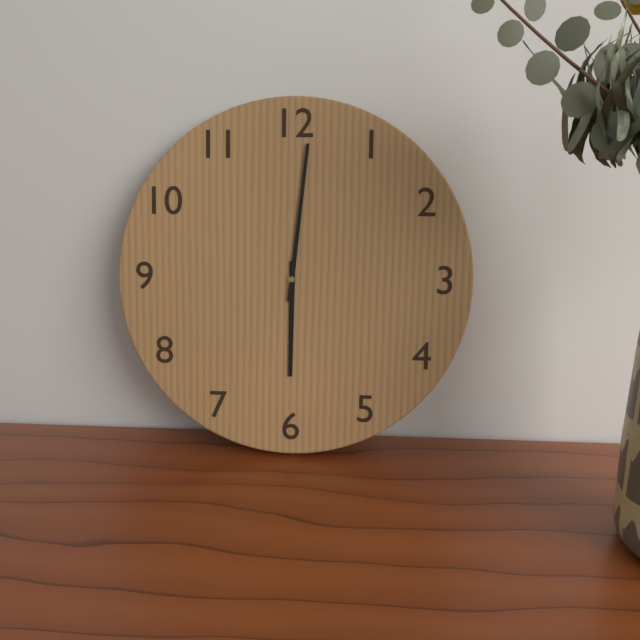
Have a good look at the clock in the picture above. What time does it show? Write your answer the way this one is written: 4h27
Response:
6h01
